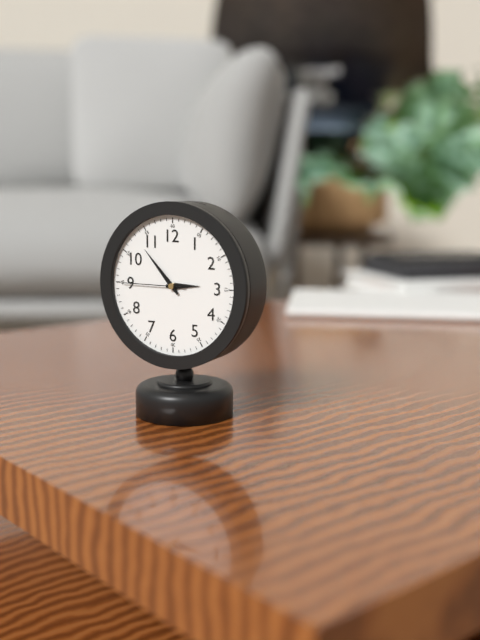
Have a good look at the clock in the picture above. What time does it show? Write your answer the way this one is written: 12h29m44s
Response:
2h53m45s
